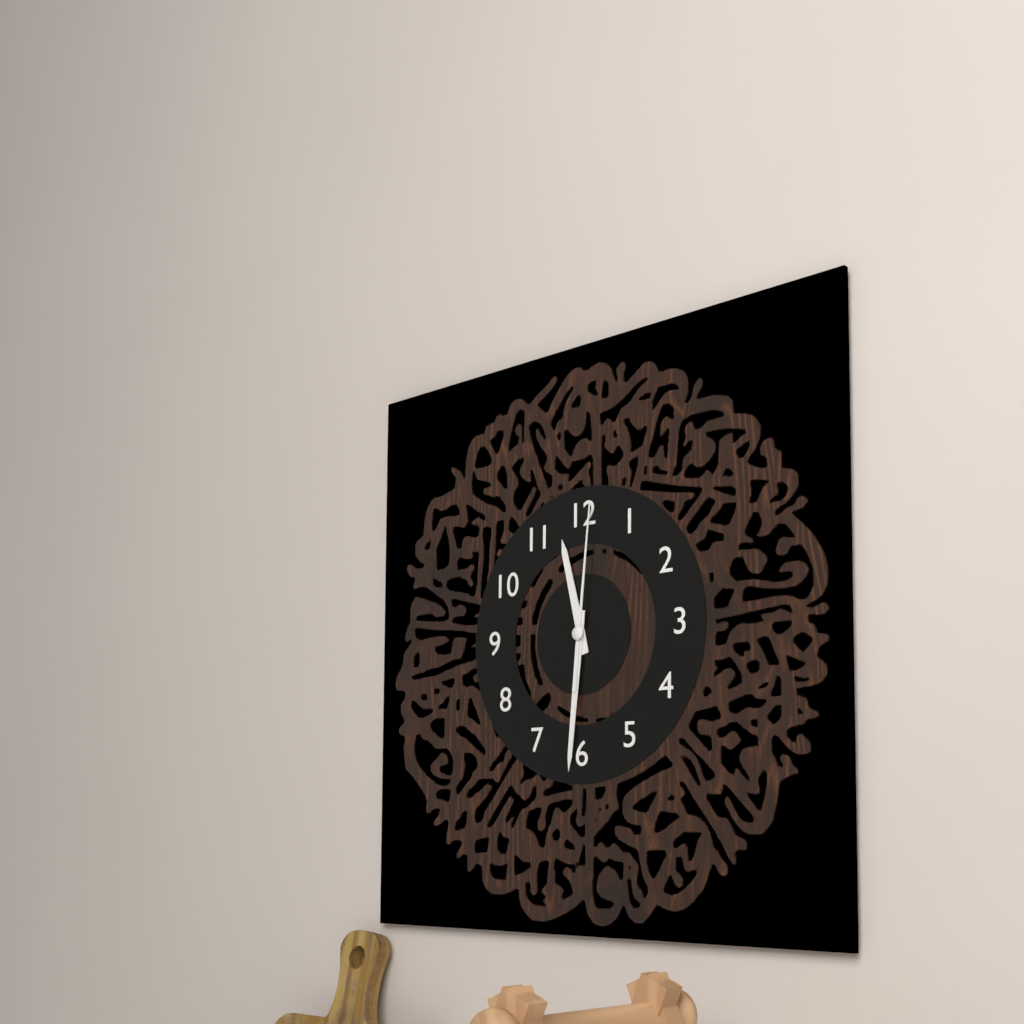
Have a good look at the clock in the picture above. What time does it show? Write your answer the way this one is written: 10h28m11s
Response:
11h31m01s
